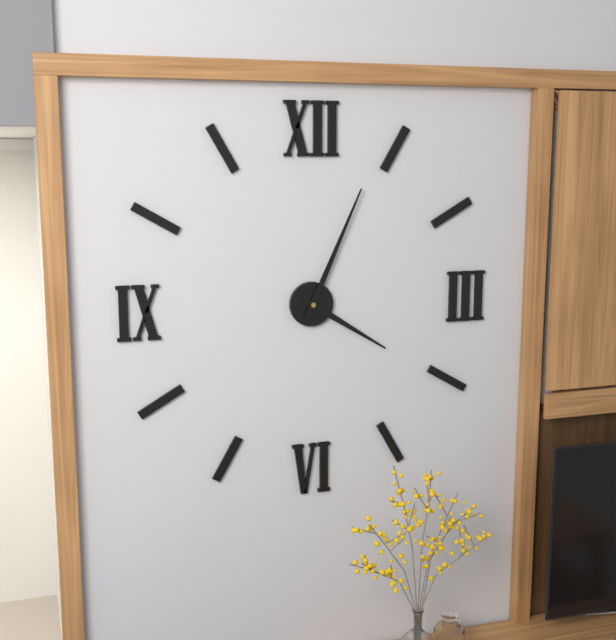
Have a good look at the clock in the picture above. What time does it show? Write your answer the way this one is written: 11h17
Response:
4h04
